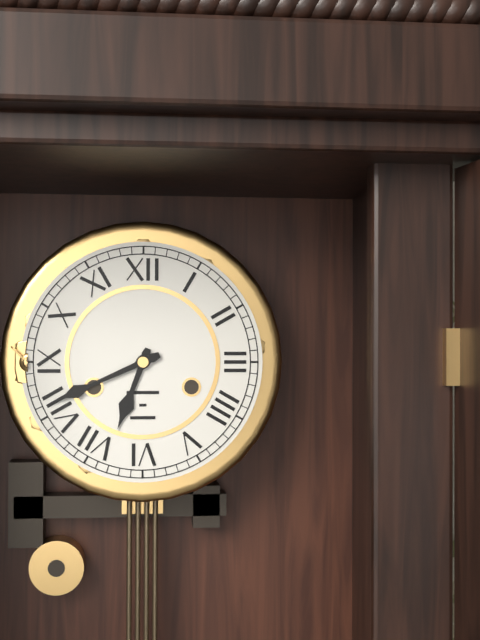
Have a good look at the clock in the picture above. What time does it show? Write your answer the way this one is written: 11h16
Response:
6h41
